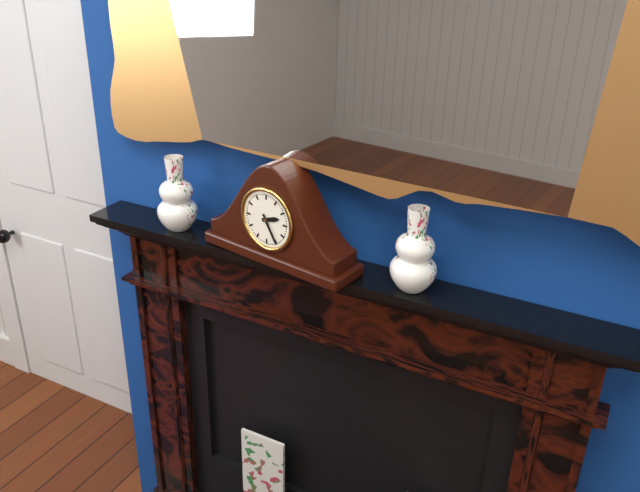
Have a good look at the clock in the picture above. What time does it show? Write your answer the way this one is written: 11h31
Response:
2h25
